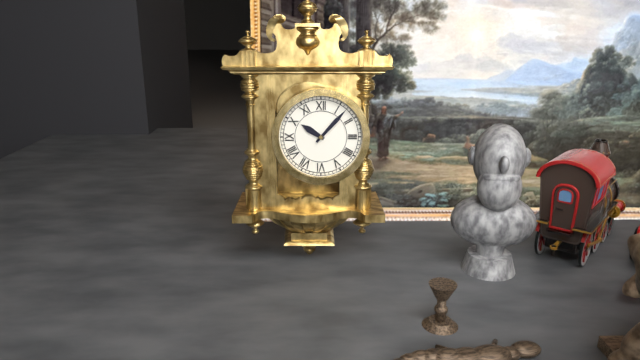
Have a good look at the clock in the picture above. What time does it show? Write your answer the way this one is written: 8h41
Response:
10h07
